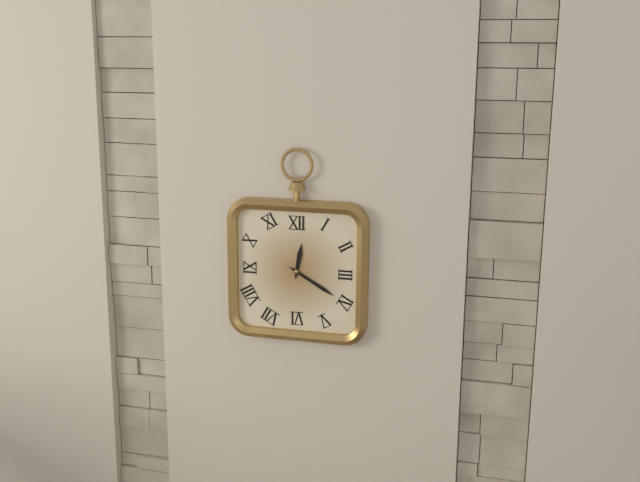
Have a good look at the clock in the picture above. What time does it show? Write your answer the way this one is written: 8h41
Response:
12h20
